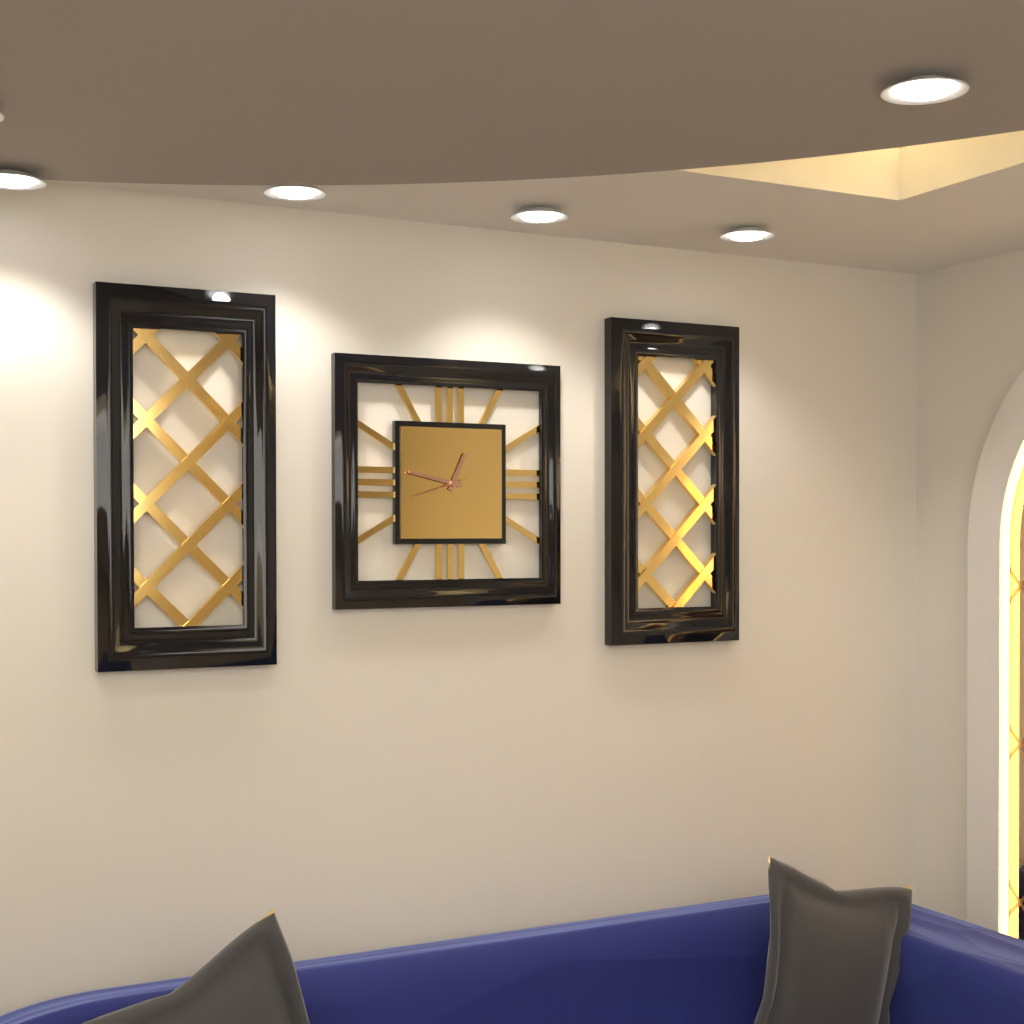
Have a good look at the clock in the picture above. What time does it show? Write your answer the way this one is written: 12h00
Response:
12h47
